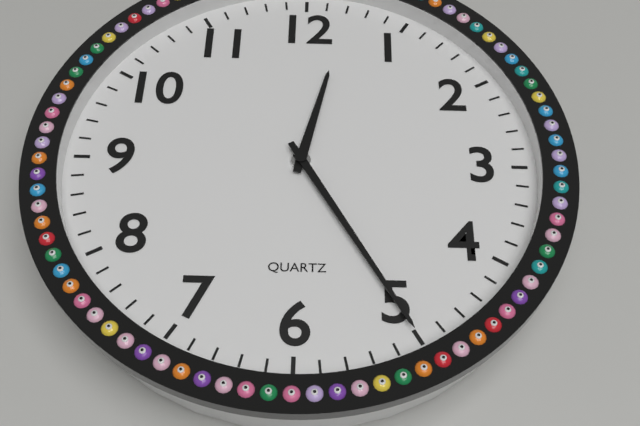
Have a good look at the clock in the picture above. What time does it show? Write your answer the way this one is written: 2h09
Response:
12h25
